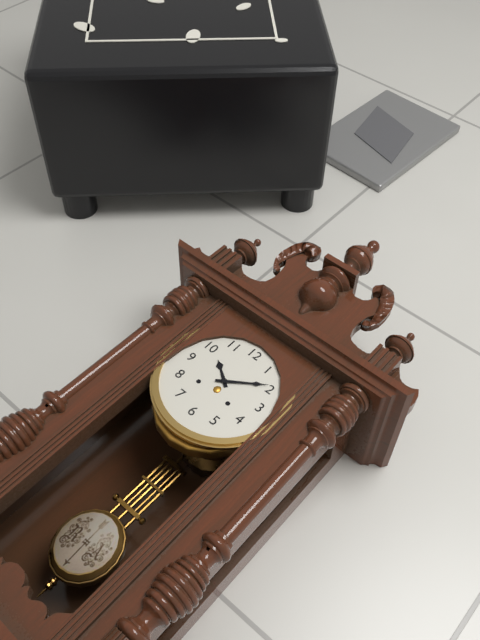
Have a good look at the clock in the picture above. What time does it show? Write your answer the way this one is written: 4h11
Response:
10h09
